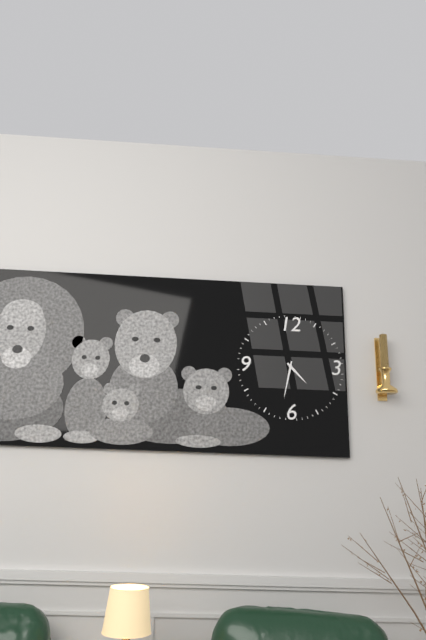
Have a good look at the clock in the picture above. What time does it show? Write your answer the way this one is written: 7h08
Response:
4h32
